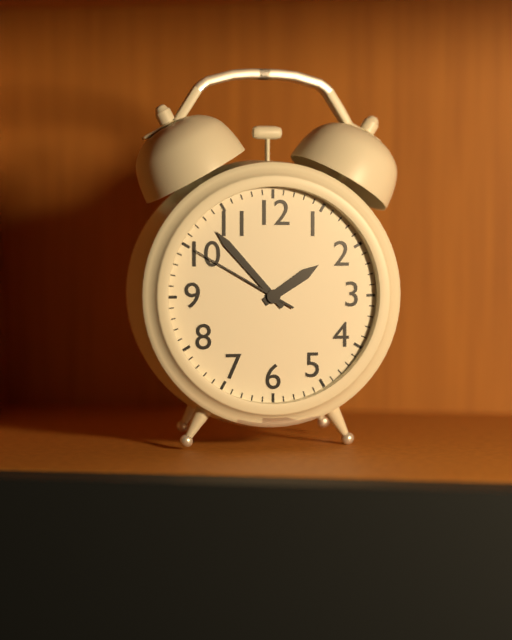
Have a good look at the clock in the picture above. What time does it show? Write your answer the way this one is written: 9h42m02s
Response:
1h53m50s
